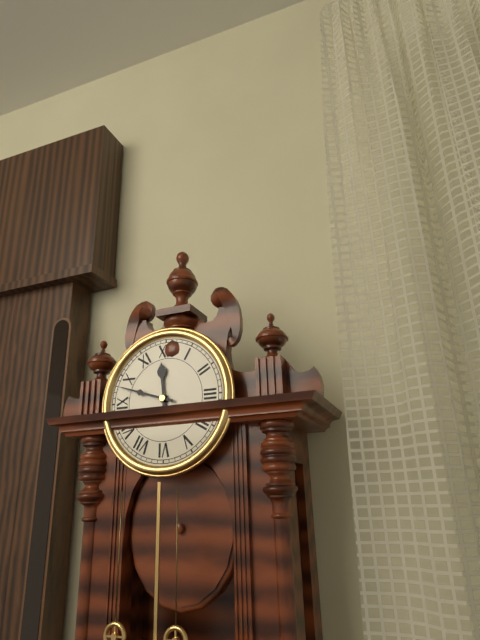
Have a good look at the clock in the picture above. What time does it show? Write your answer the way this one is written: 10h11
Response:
11h48
